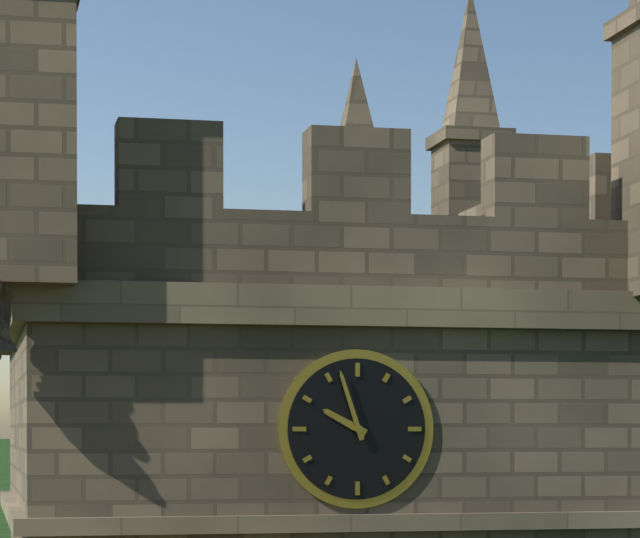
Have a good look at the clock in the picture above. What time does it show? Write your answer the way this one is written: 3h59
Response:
9h57
